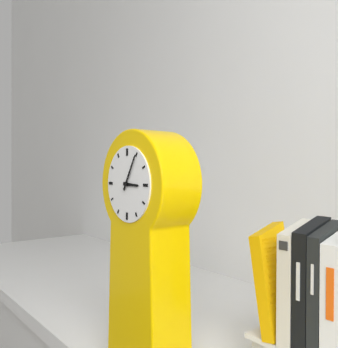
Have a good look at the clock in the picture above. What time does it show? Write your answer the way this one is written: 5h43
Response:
3h05
